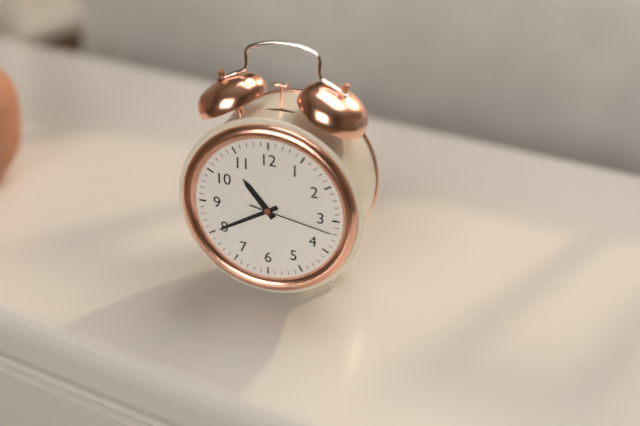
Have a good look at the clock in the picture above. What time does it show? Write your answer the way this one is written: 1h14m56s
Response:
10h40m17s
